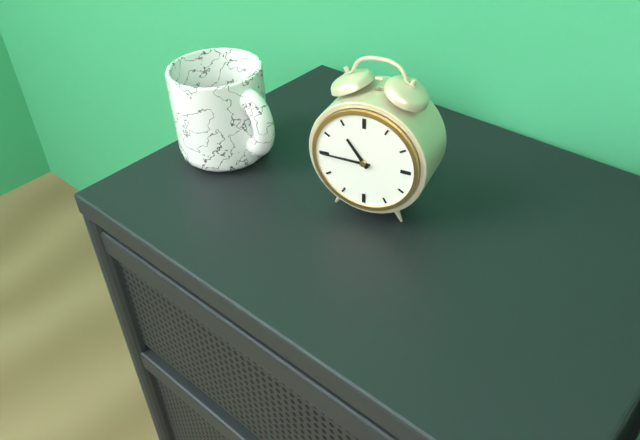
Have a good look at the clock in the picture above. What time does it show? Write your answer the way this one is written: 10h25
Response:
10h45
